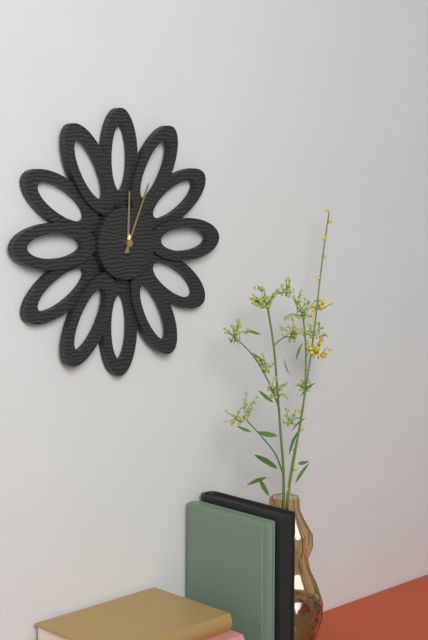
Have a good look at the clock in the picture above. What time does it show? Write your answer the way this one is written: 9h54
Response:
12h04
